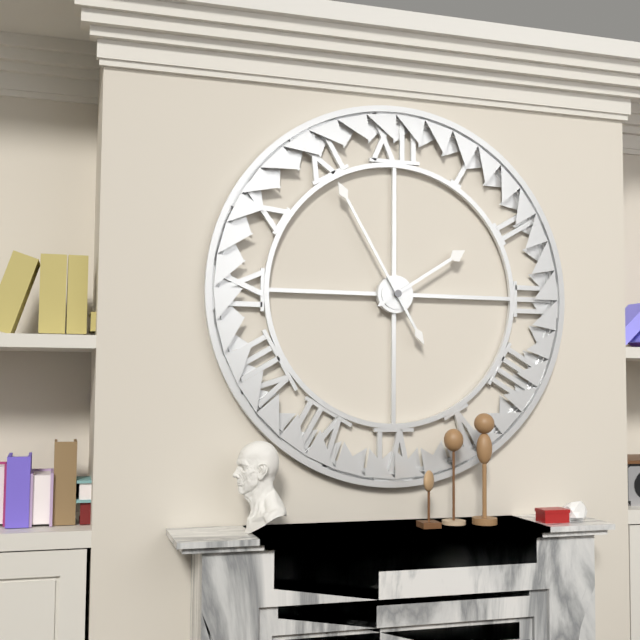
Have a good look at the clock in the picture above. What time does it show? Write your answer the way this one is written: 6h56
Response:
1h55
